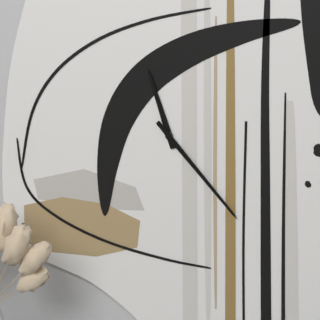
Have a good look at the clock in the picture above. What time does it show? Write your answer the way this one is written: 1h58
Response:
11h23
